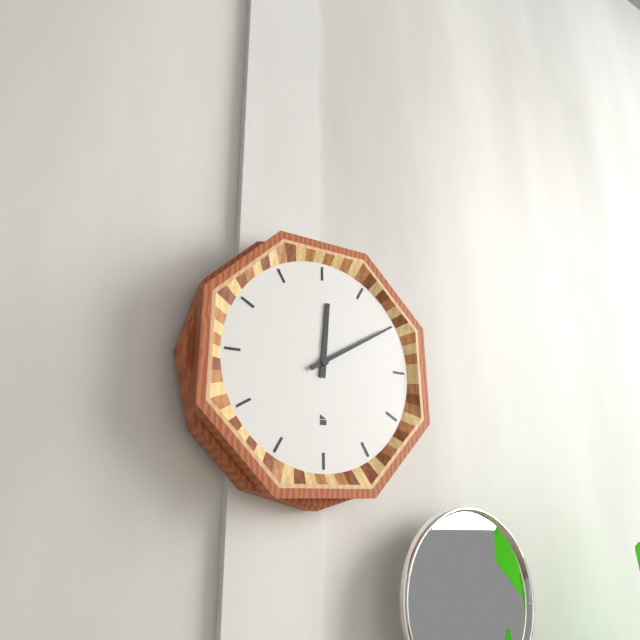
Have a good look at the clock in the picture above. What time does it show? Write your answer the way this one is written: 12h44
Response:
12h10
